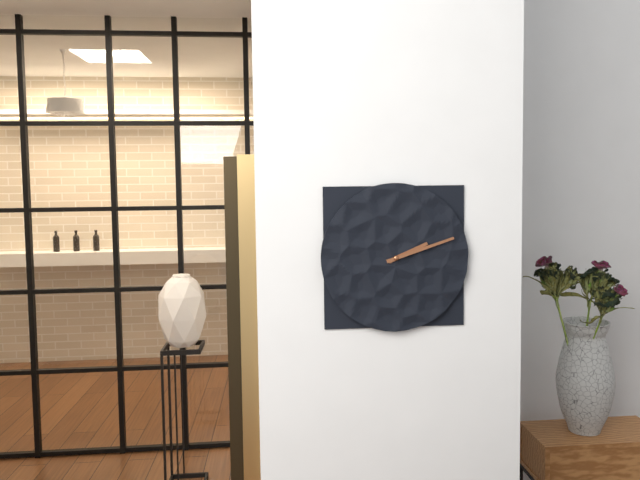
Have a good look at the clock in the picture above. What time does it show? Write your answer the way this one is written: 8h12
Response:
2h12
